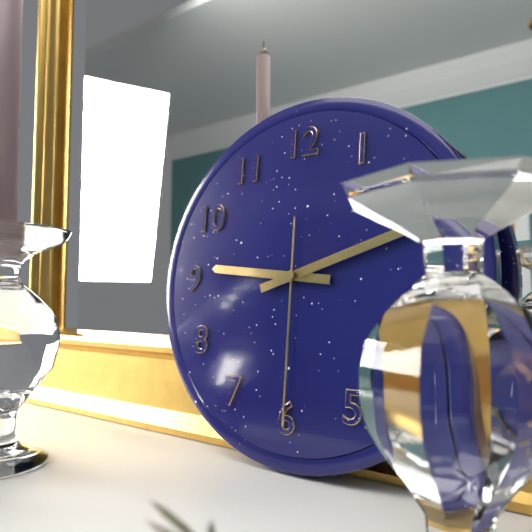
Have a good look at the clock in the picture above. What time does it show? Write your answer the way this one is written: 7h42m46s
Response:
9h12m30s
